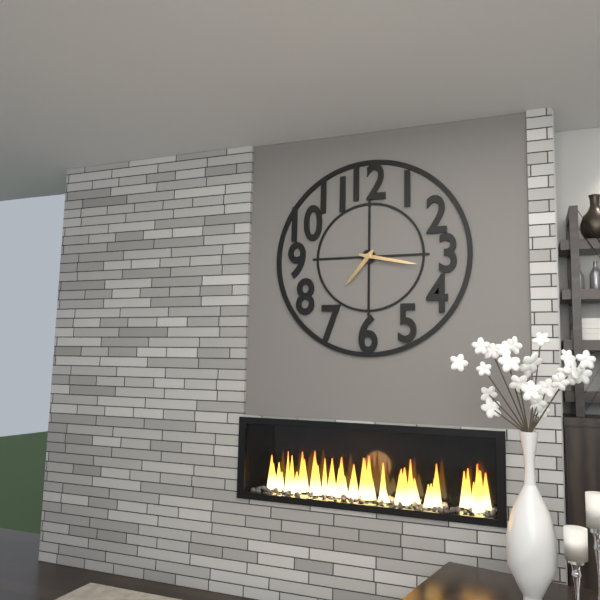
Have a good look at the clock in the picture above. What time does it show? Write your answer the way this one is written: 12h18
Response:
7h17
